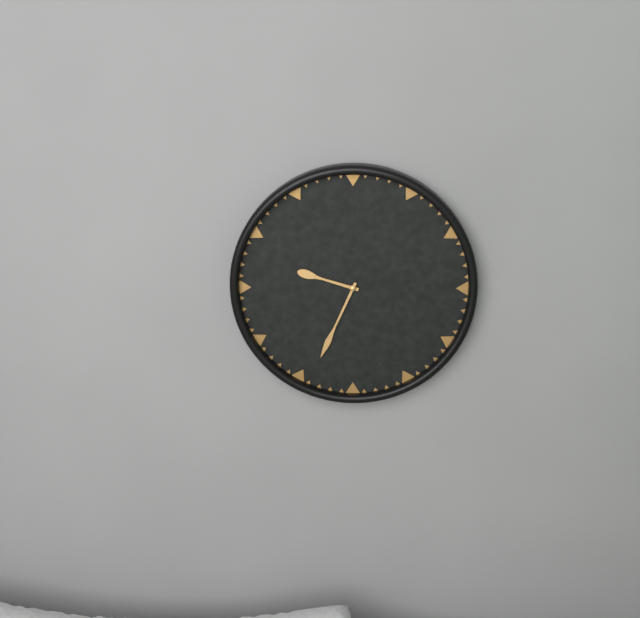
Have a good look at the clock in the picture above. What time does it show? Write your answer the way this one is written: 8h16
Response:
9h34
